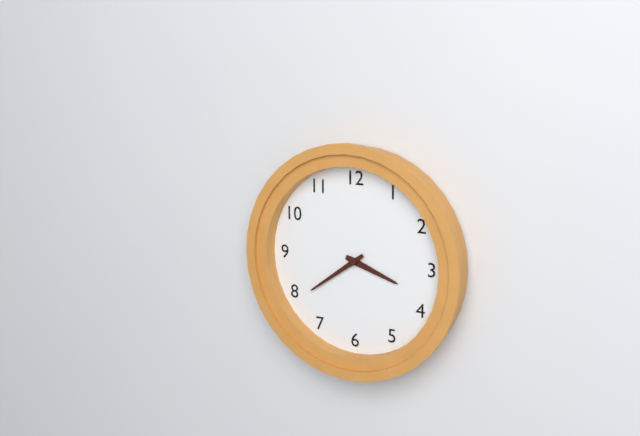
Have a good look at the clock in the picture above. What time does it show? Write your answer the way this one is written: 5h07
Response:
3h39
